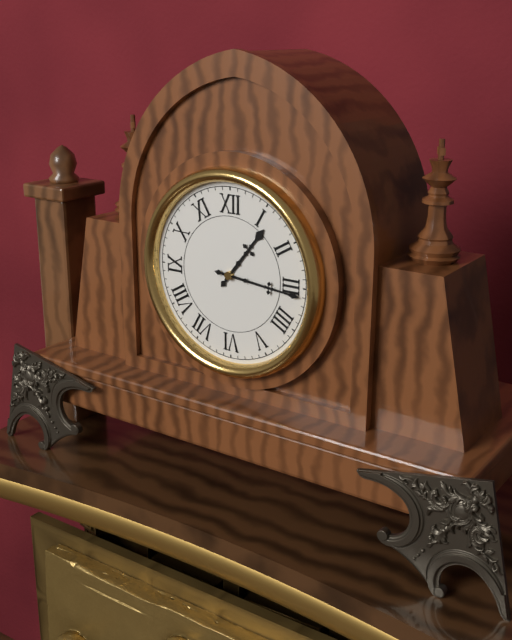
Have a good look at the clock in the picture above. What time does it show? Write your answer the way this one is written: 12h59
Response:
1h16
